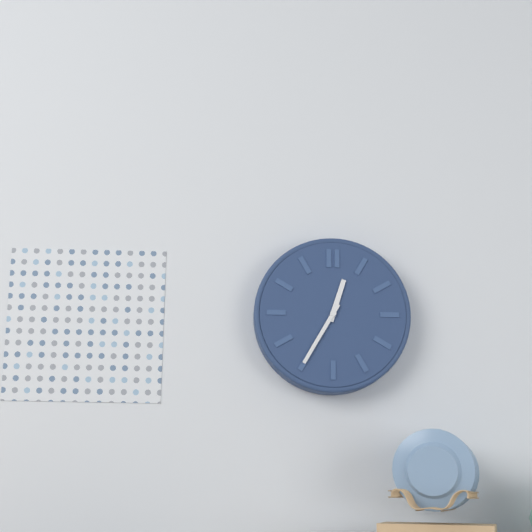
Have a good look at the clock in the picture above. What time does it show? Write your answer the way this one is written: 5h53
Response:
12h35
